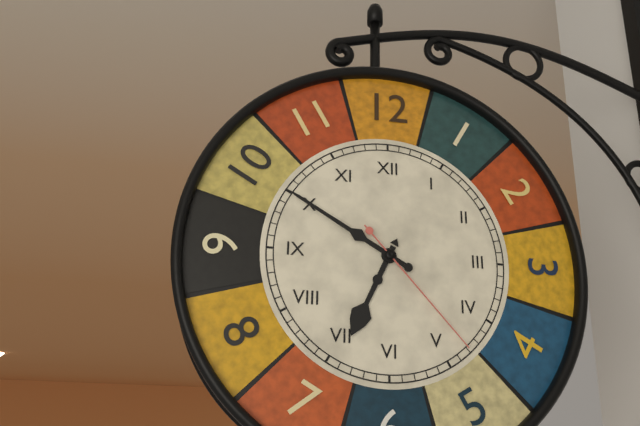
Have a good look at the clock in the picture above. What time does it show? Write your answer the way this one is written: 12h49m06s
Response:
6h50m23s
